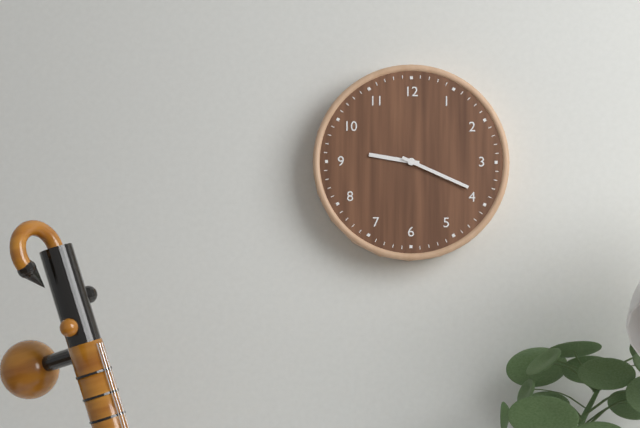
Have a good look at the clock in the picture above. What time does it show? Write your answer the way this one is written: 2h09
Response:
9h19
